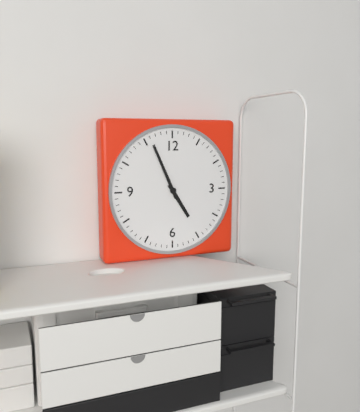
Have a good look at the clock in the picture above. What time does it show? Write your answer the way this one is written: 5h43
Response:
4h56
